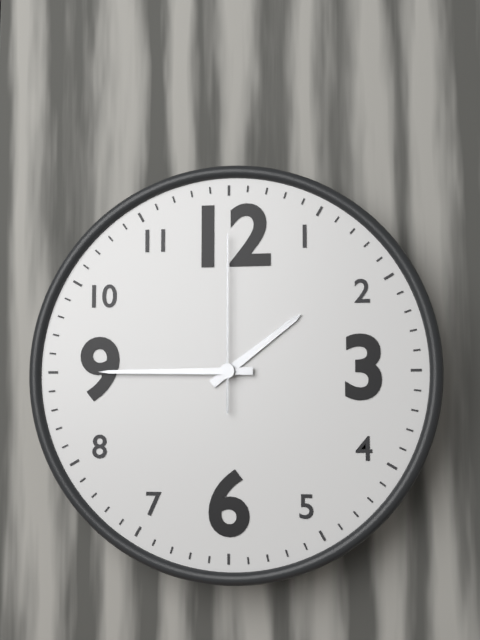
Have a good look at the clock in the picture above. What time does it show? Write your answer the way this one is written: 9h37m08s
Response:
1h45m00s
